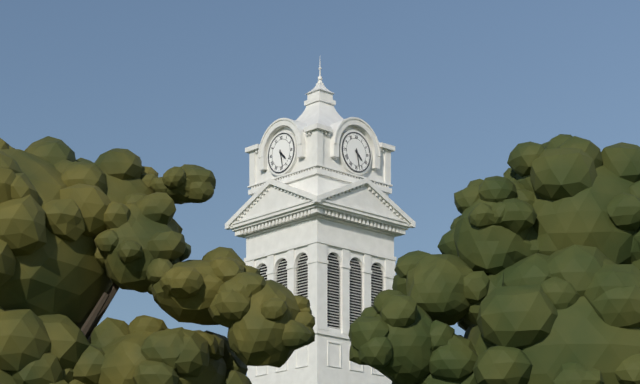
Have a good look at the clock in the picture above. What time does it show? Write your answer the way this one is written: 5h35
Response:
4h28
